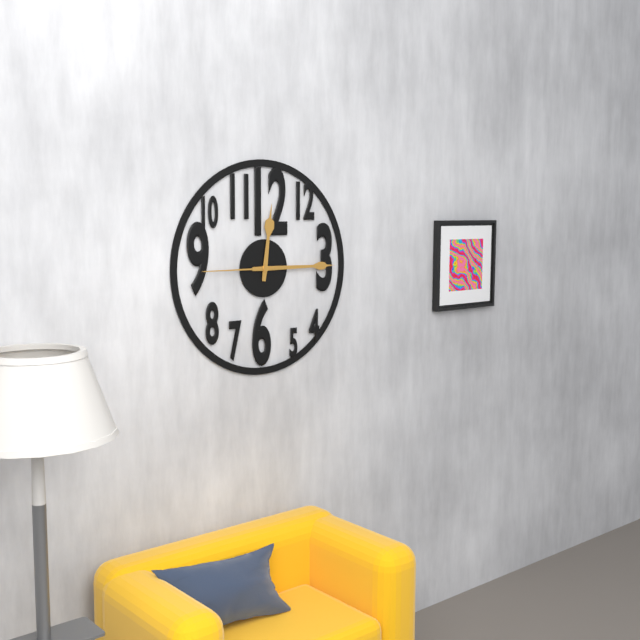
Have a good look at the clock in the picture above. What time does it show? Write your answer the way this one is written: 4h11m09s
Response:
12h15m45s
